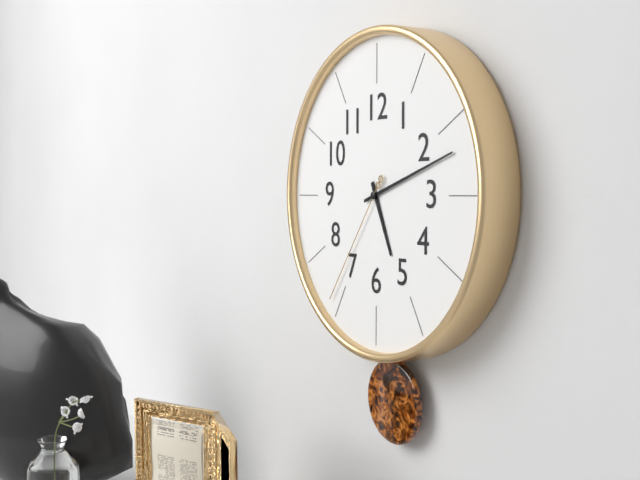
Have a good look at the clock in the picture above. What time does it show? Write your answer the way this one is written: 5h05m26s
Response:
5h12m36s
